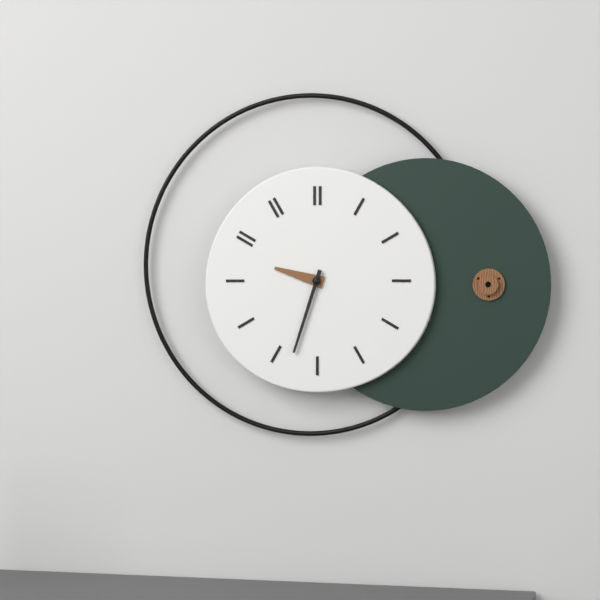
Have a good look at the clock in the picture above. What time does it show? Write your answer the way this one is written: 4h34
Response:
9h33
